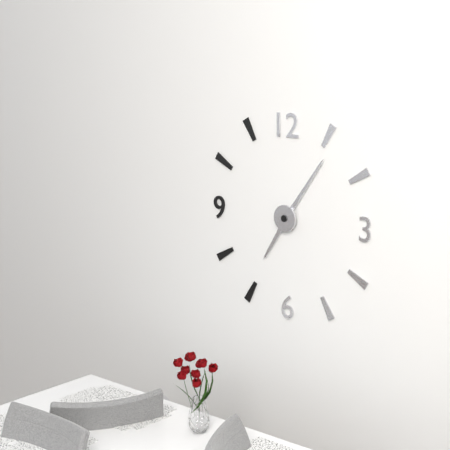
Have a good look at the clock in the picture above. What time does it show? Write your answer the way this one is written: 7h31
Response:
7h06
